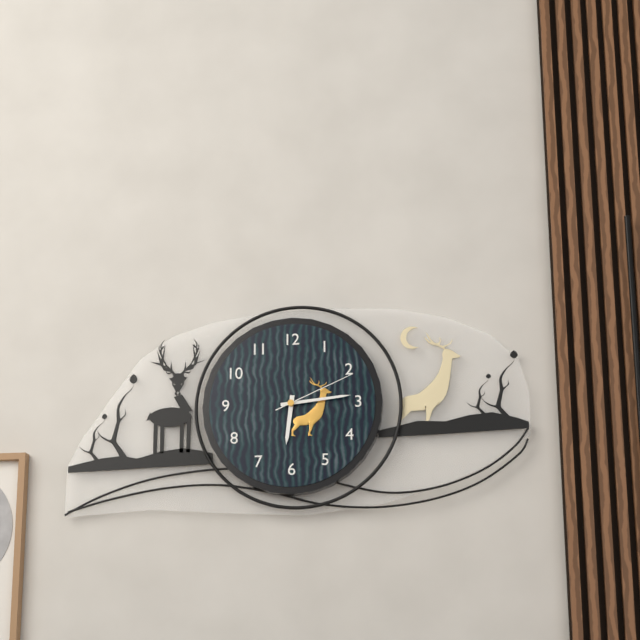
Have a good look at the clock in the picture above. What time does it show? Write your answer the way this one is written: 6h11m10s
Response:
6h14m11s
